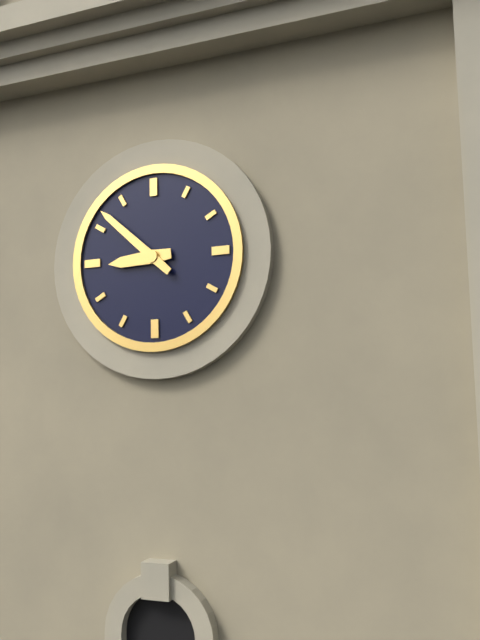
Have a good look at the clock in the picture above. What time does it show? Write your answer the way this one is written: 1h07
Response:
8h52
